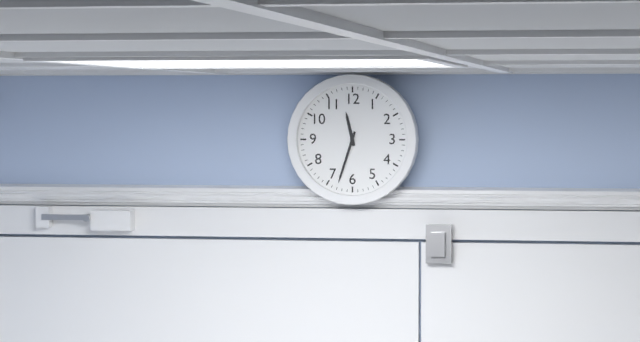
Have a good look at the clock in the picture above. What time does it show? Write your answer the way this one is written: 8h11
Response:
11h33
